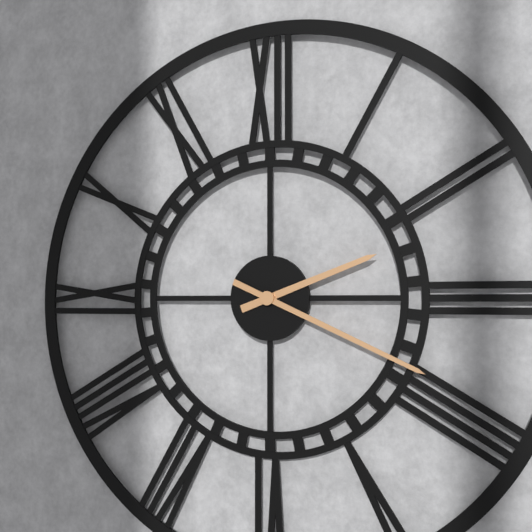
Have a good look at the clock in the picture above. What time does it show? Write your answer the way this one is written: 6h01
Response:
2h19
